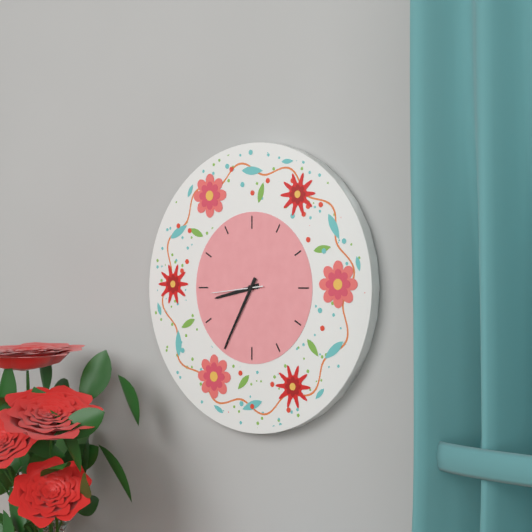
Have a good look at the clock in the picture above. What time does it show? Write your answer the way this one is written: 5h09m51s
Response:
8h35m44s
